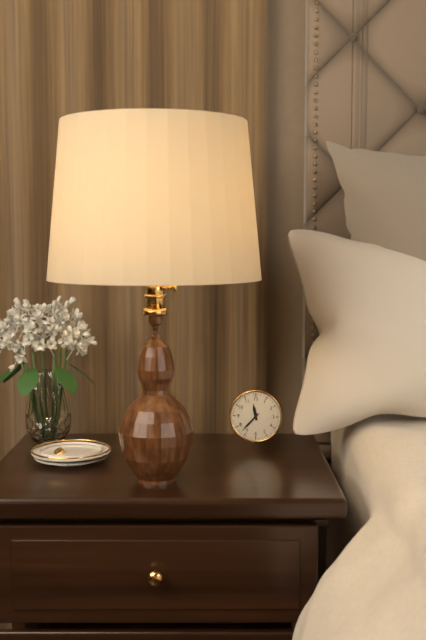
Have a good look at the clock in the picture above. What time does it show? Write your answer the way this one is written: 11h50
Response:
11h37
